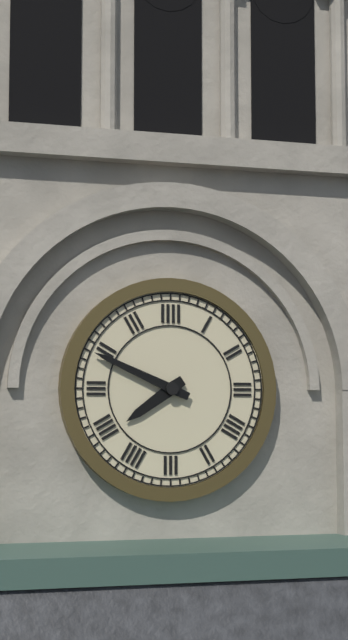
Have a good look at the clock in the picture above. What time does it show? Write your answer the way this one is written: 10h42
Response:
7h49
